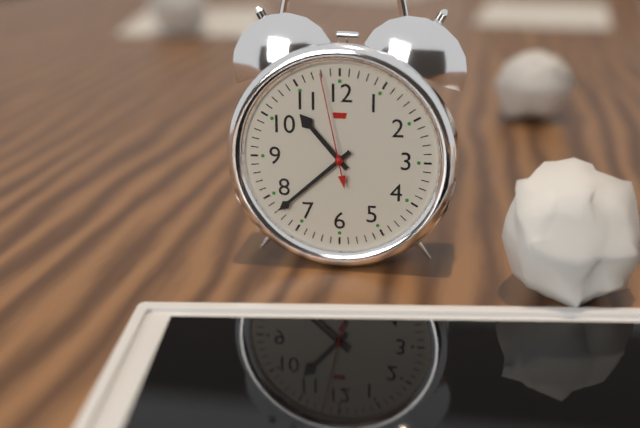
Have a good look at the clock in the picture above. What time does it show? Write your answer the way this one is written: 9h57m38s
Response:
10h38m58s
